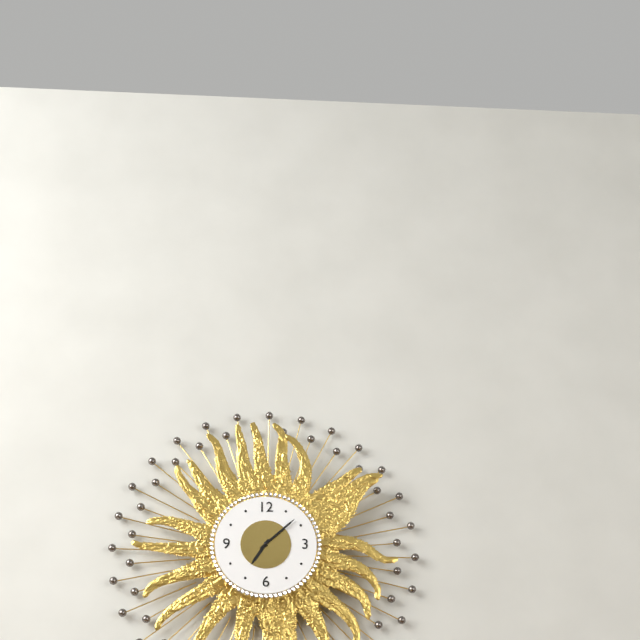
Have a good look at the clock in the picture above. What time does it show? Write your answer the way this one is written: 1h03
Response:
7h08
